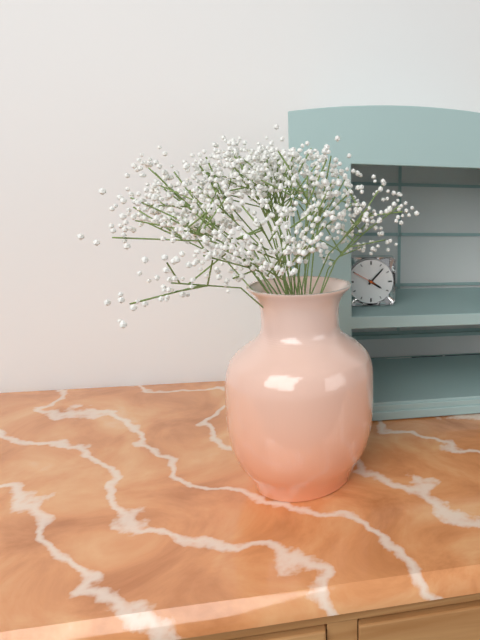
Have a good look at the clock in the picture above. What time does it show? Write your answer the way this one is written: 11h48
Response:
4h07
